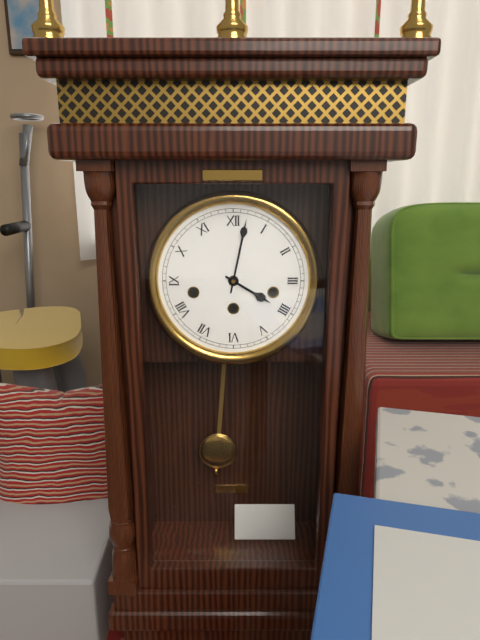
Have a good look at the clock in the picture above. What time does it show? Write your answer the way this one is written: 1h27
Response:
4h02
